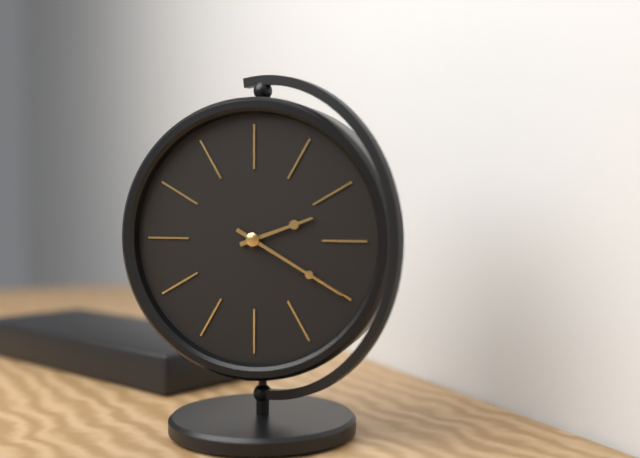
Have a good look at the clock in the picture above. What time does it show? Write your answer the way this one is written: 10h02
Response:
2h20
